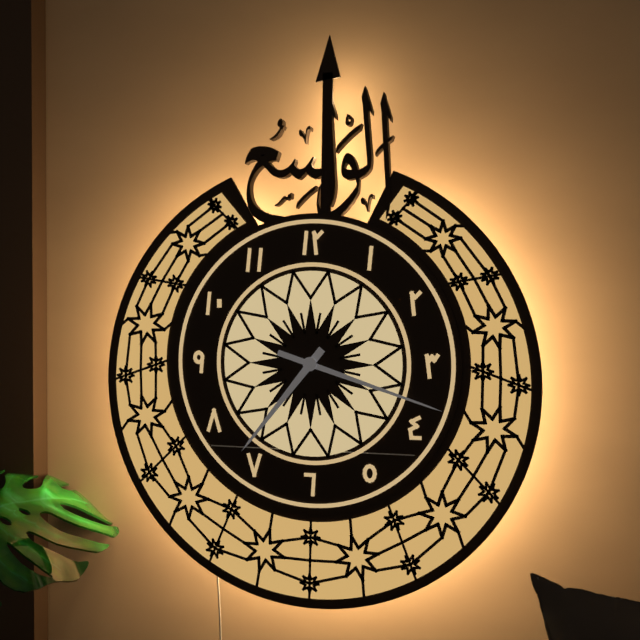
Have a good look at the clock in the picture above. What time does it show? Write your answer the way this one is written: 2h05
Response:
7h18
